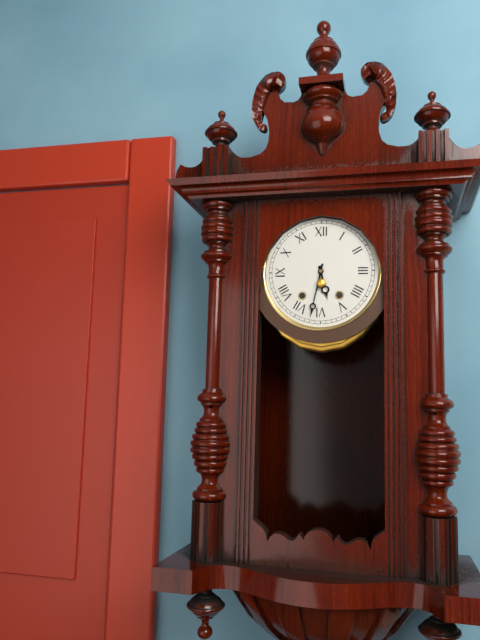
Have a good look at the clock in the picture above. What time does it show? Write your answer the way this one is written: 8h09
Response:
5h32
